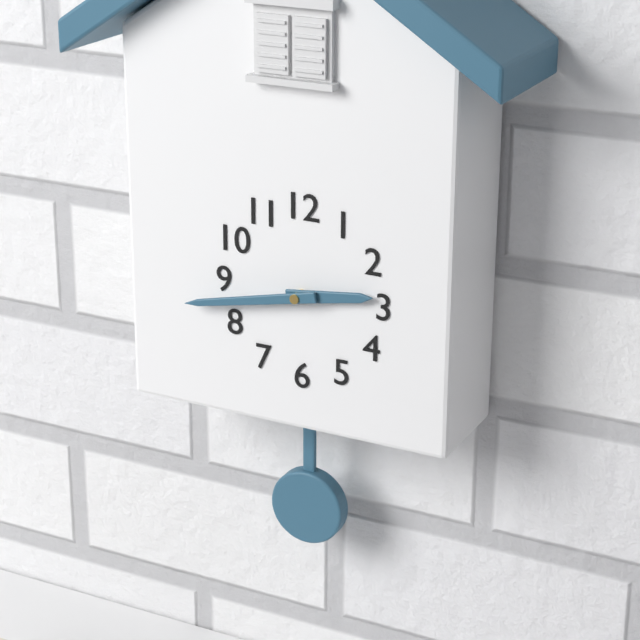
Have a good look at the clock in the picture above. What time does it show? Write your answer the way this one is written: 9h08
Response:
2h43
